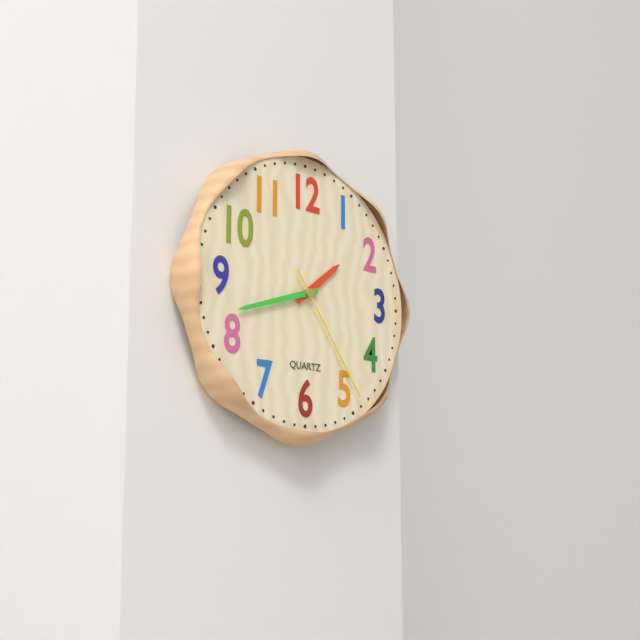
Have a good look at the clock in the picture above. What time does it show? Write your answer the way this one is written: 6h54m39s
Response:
1h42m24s
